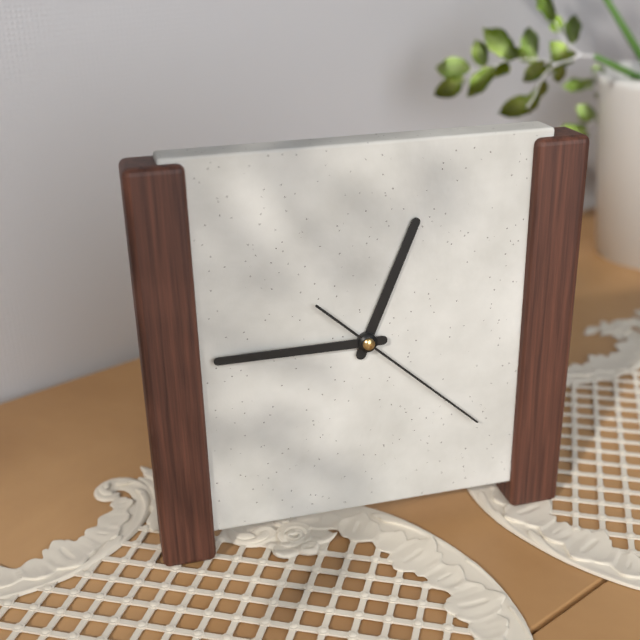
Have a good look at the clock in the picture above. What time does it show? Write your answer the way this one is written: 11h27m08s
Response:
12h45m22s
